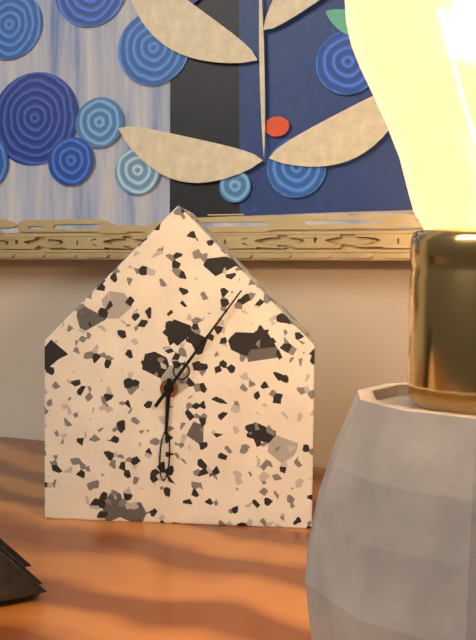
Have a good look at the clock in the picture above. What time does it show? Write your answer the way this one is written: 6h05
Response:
6h06
